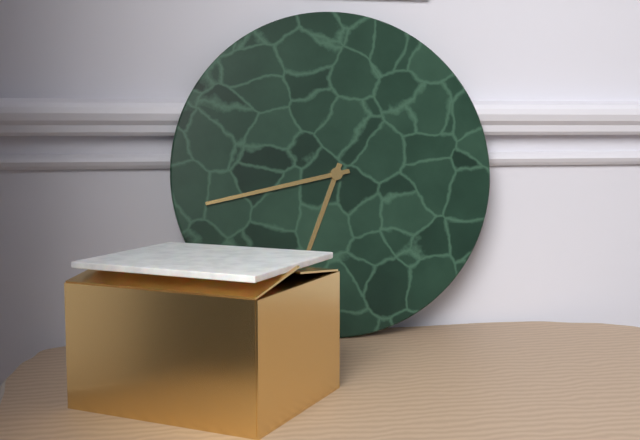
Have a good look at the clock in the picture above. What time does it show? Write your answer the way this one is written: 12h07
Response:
6h43
